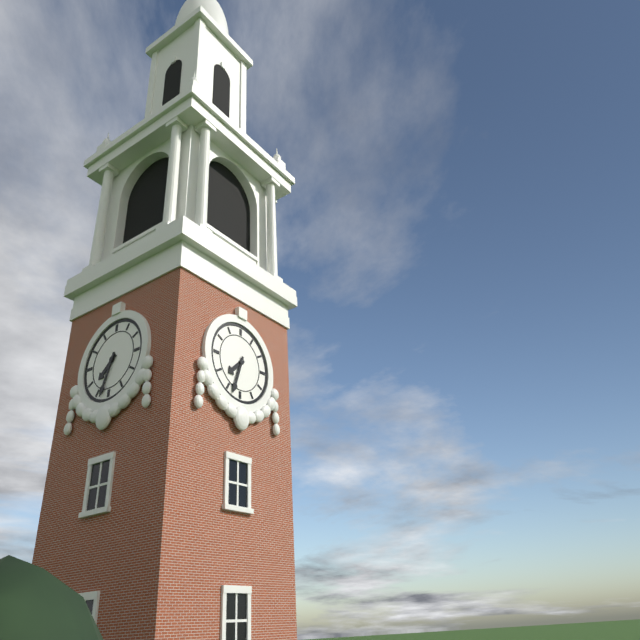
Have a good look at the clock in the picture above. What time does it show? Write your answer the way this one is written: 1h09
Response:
7h33
